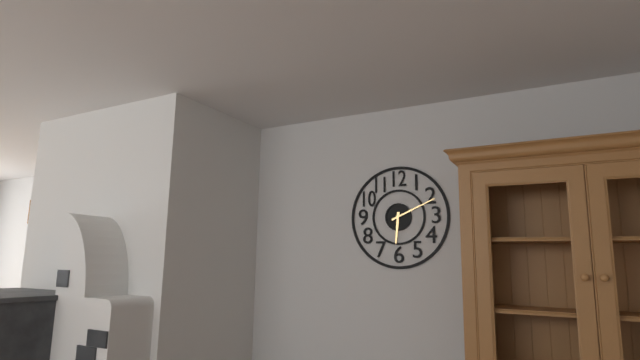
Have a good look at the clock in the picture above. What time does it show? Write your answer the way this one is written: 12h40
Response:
6h11
